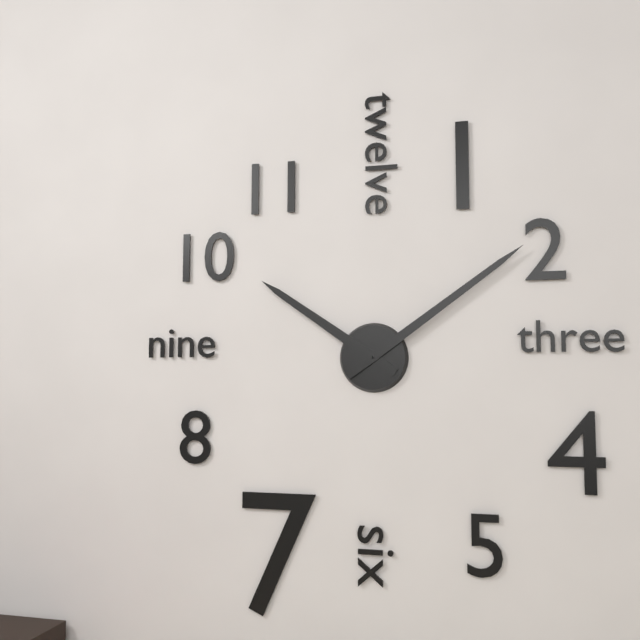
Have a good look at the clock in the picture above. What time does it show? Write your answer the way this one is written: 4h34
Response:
10h09
